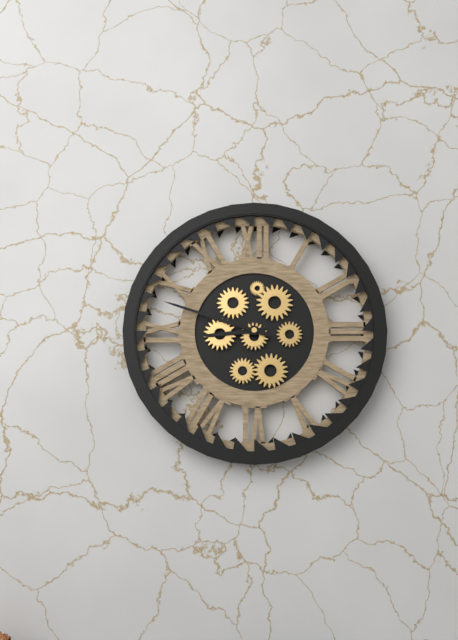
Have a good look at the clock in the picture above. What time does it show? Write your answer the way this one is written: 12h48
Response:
8h48
